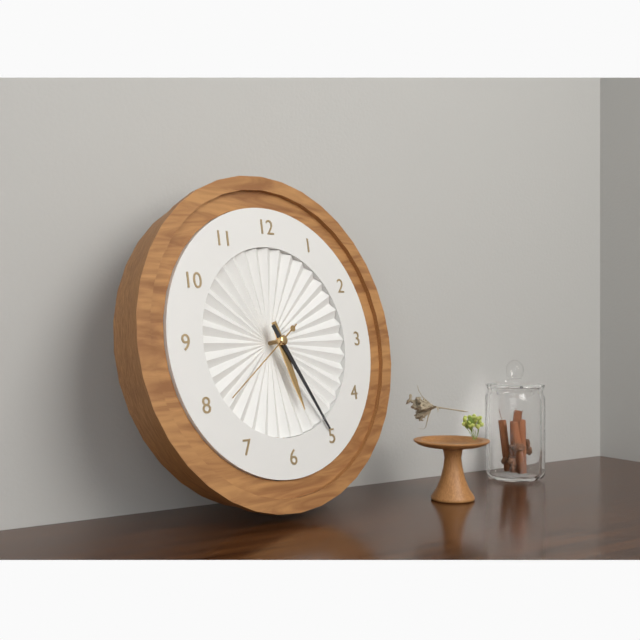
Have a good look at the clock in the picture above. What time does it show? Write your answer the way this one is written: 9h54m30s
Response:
5h25m39s
